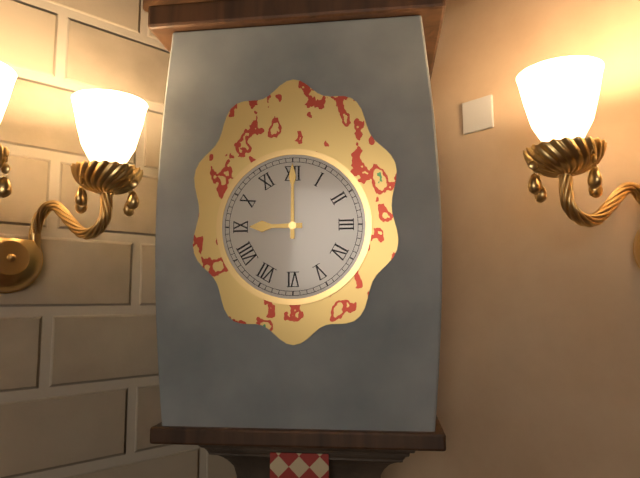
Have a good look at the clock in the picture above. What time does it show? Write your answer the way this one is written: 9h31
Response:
9h00
